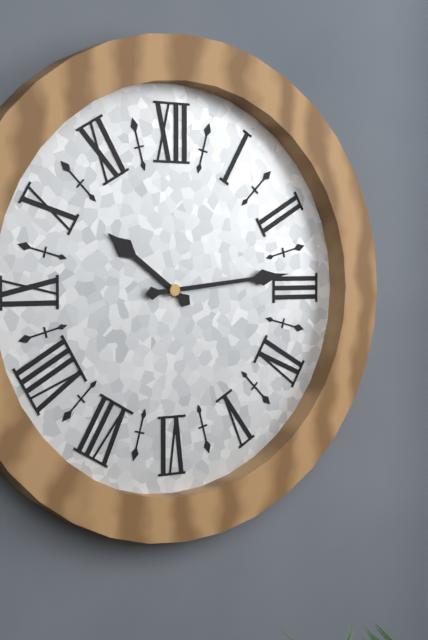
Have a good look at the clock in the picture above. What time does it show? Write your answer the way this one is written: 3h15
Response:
10h14
